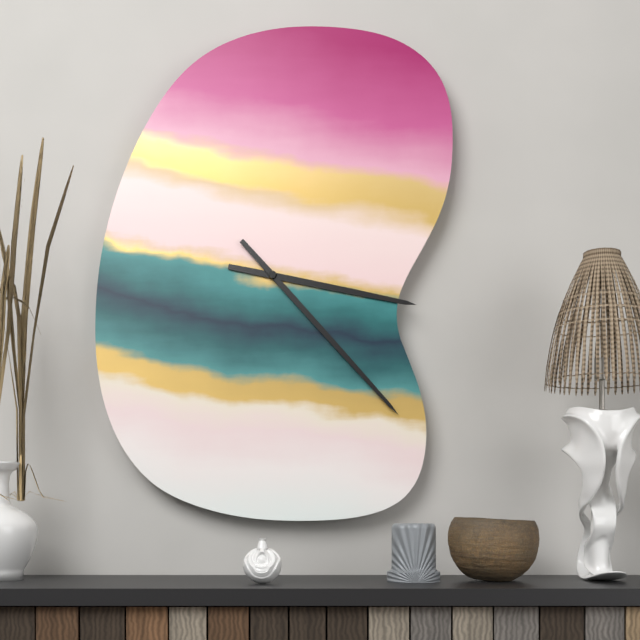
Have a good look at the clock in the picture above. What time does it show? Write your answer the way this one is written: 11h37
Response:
3h23
